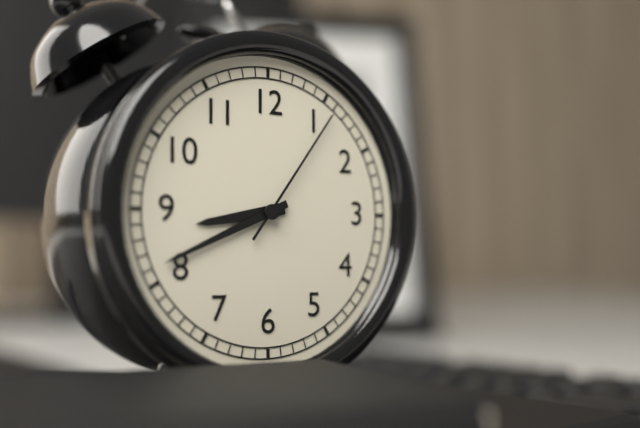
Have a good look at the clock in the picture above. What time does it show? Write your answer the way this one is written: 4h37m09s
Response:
8h41m06s
